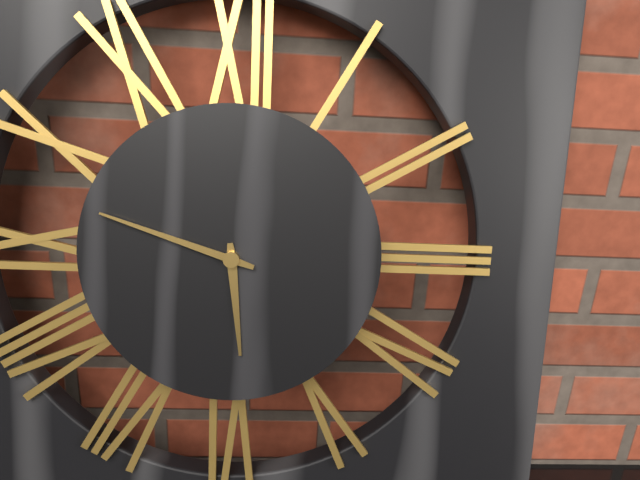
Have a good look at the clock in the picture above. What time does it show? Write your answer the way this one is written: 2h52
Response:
5h48
